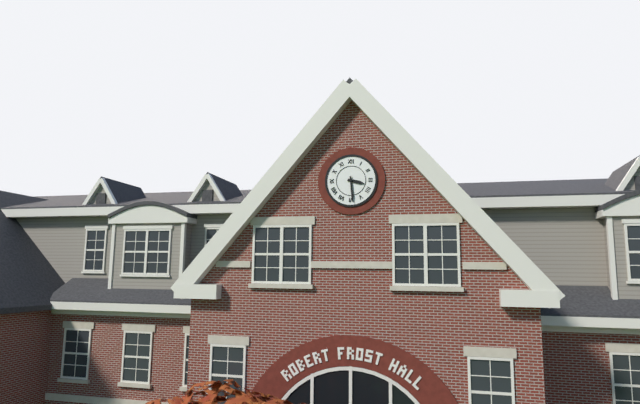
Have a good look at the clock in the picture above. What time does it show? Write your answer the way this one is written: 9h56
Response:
3h29
